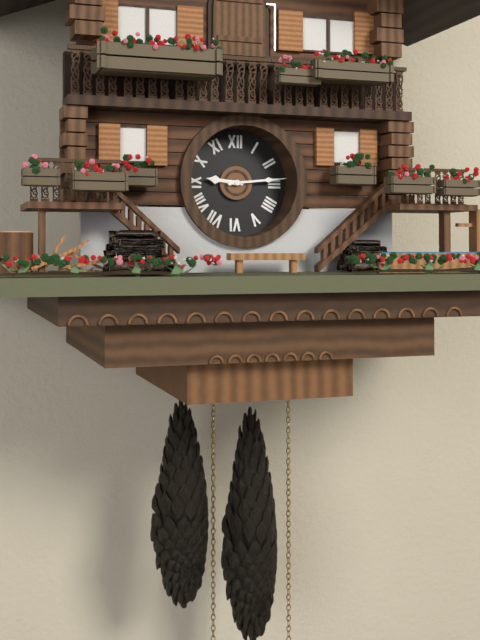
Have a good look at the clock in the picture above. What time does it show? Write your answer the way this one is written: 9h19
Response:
9h14
